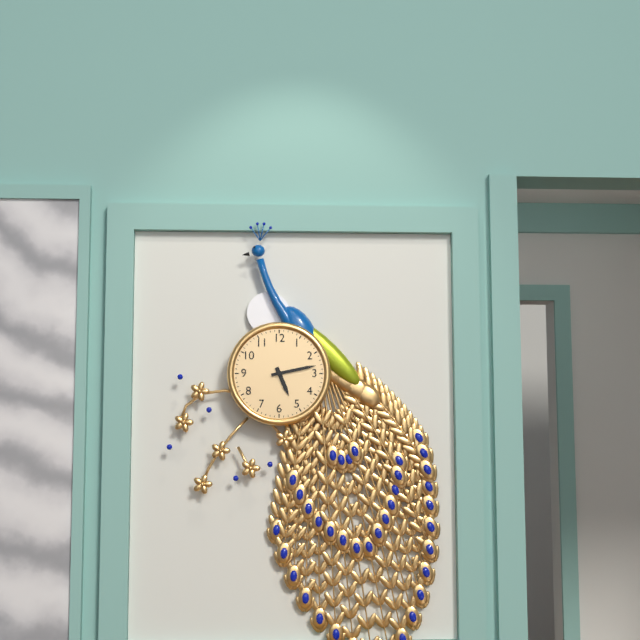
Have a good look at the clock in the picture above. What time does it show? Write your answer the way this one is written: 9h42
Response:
5h13
